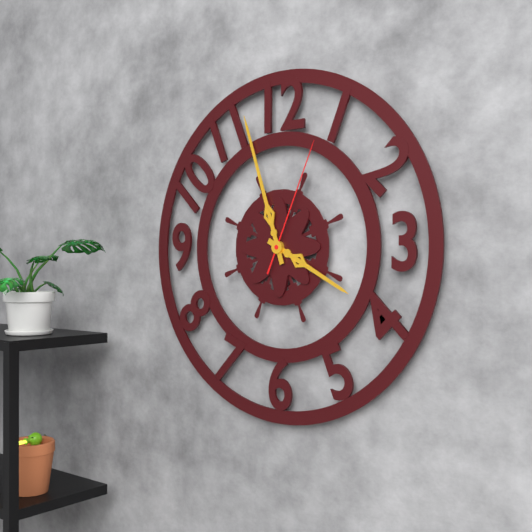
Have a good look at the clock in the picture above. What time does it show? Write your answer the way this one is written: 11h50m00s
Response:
3h57m04s
